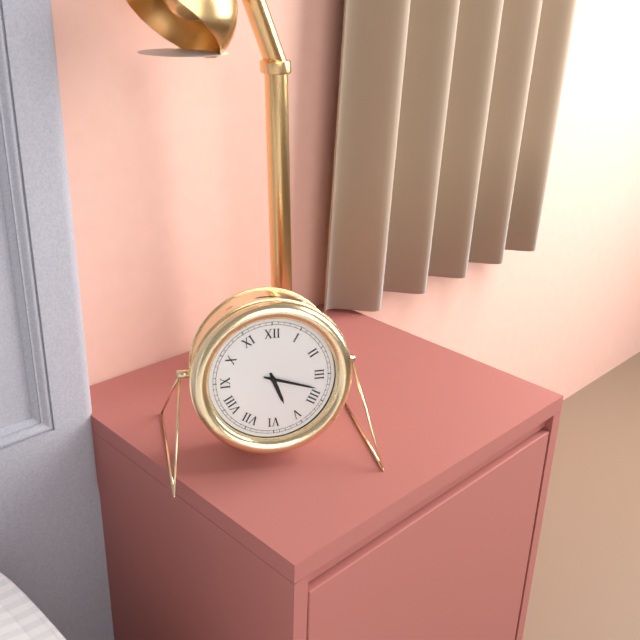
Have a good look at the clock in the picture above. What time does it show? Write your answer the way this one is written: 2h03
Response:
5h18
